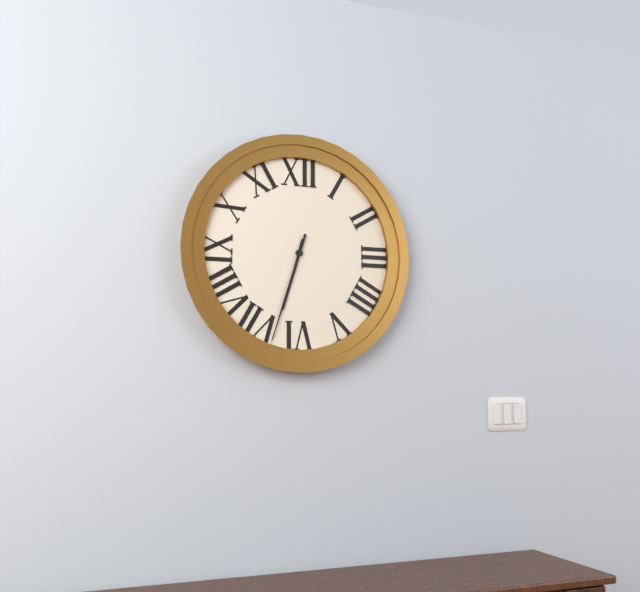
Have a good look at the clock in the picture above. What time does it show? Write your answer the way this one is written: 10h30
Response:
6h33
